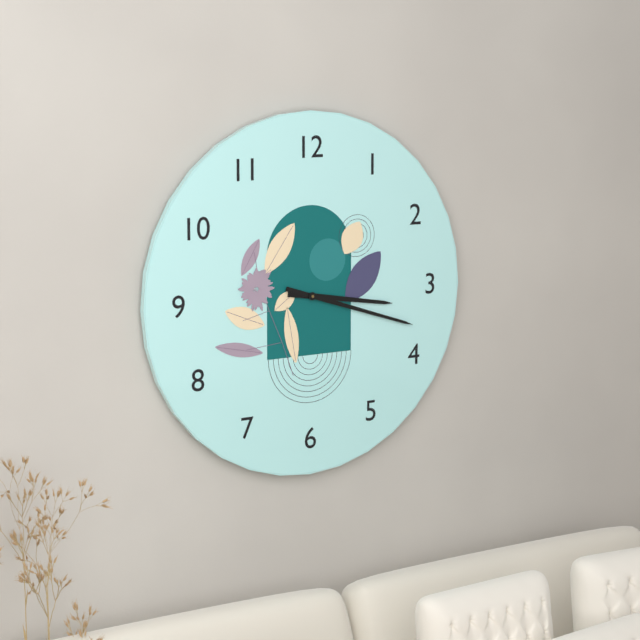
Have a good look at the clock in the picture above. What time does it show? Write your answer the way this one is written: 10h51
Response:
3h18
